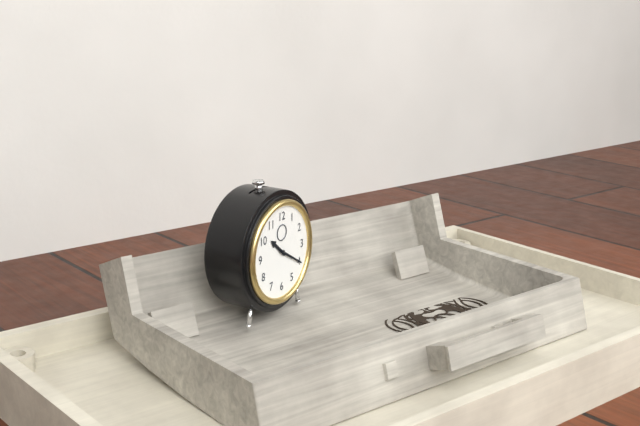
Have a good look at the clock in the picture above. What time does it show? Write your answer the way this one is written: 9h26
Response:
10h20
